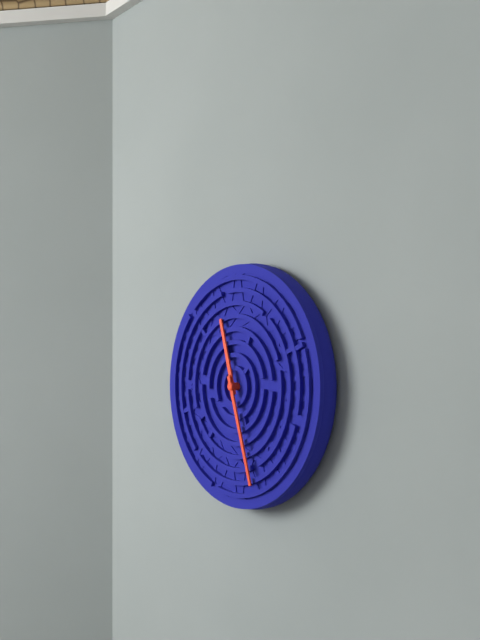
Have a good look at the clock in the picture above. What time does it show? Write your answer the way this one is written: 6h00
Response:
11h27
